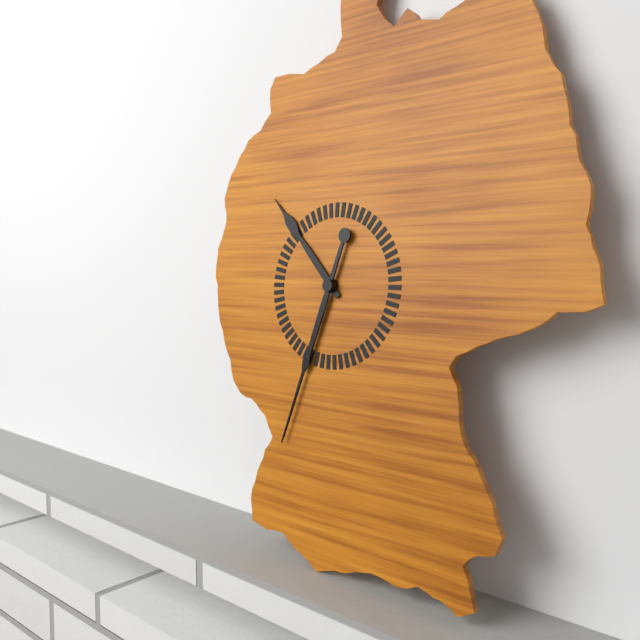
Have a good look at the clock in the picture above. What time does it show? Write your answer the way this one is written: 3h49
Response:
10h33
